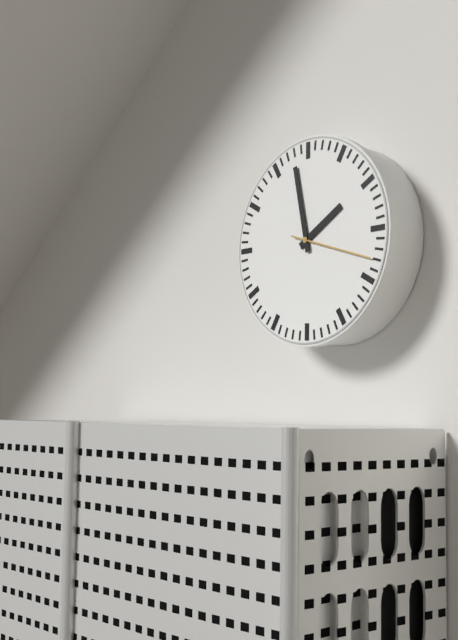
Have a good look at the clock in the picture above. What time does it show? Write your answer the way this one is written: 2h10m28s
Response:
1h58m18s
